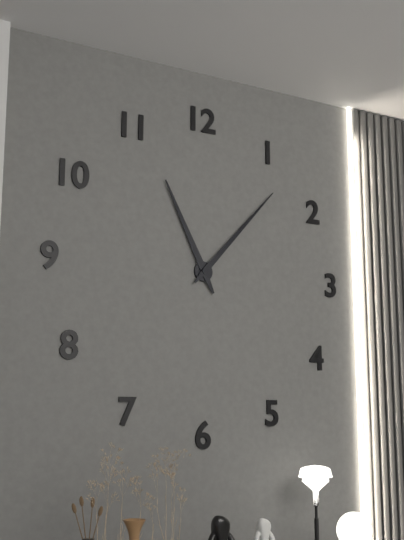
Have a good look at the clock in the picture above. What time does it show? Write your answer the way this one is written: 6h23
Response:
11h07
